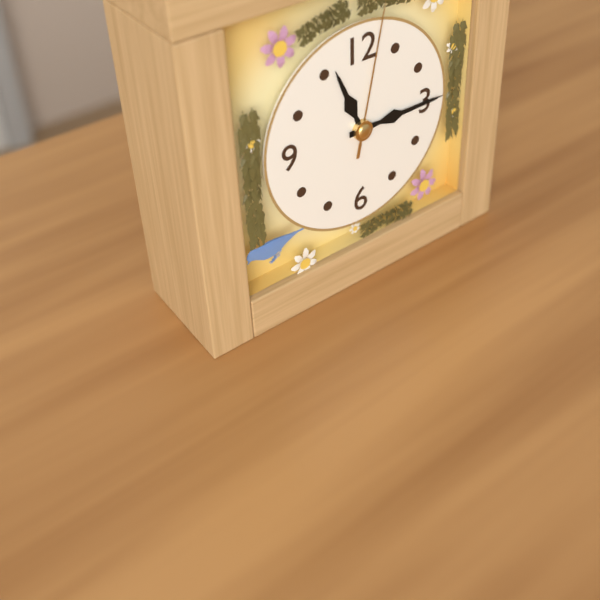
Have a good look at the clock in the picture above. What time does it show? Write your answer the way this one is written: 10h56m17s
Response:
11h15m02s
